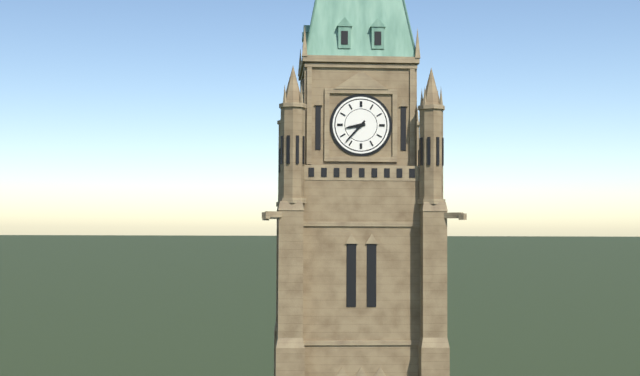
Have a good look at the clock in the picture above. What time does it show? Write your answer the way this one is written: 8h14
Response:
8h37
